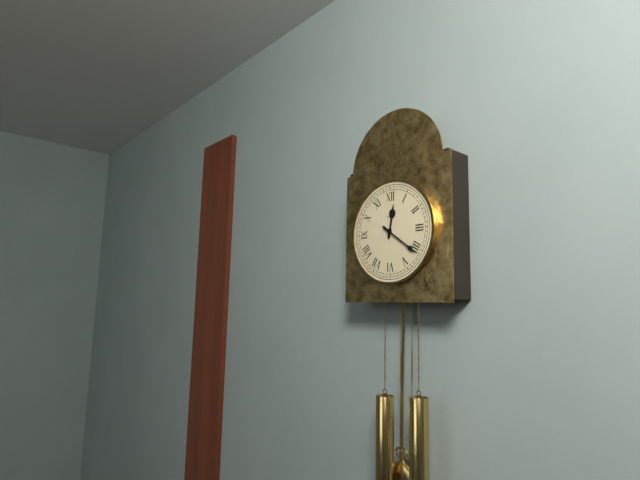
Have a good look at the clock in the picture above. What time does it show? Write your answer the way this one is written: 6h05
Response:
12h21
